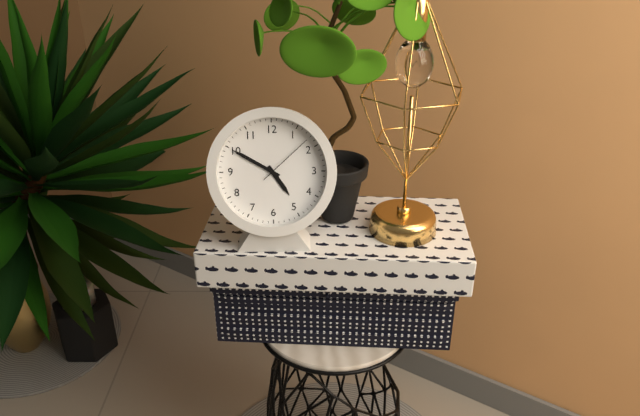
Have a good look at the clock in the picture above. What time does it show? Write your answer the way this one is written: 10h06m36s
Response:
4h50m08s
